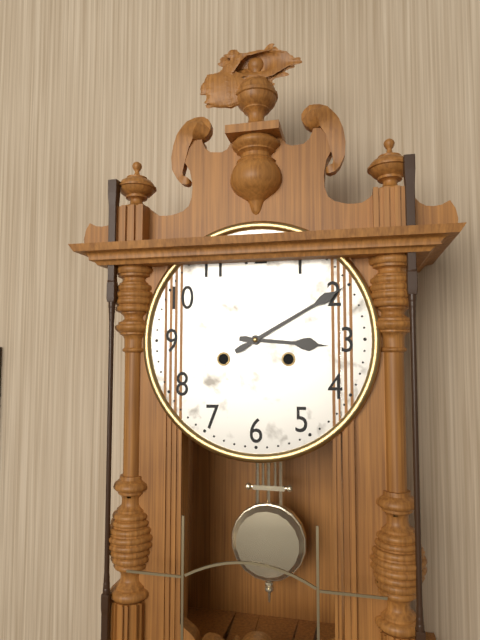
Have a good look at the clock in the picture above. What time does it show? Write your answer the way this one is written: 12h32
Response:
3h10
